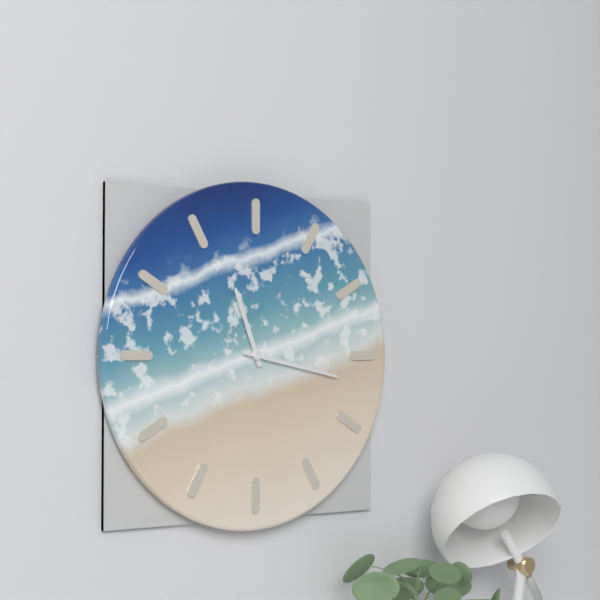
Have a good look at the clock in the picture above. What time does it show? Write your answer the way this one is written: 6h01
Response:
11h17
